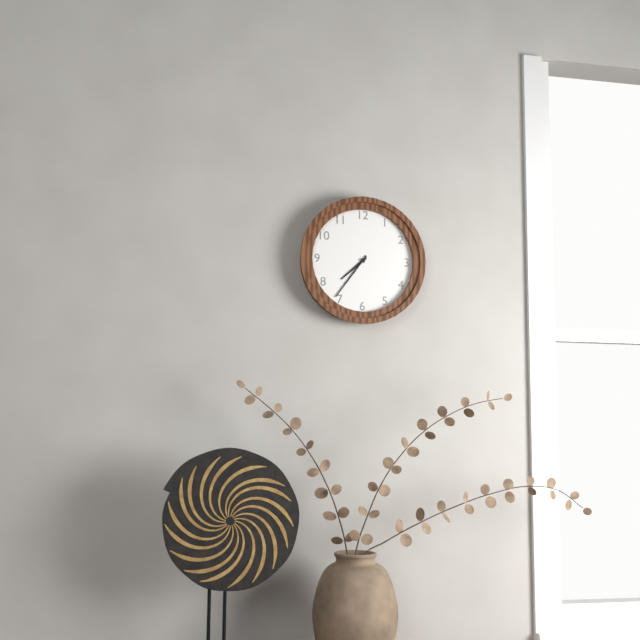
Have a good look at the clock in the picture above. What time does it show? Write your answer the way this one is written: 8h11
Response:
7h36
